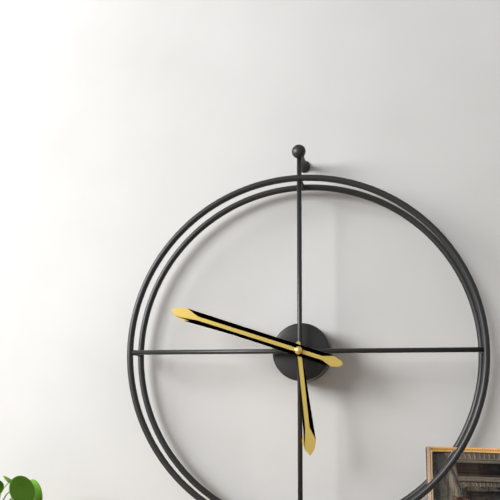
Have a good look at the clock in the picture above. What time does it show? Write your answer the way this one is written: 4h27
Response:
5h48
